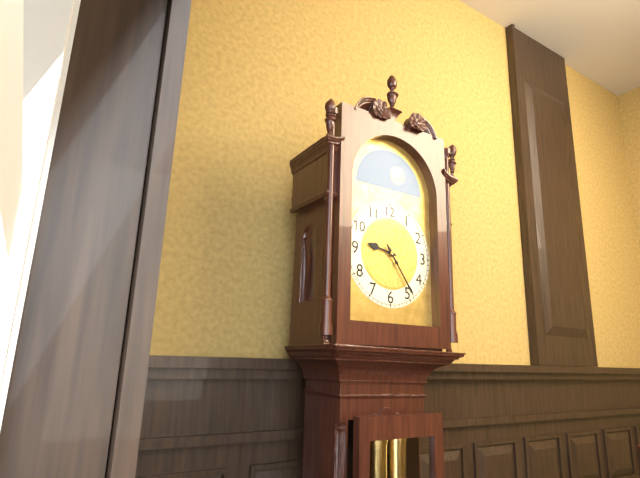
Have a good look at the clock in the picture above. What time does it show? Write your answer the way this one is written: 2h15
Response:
9h24
